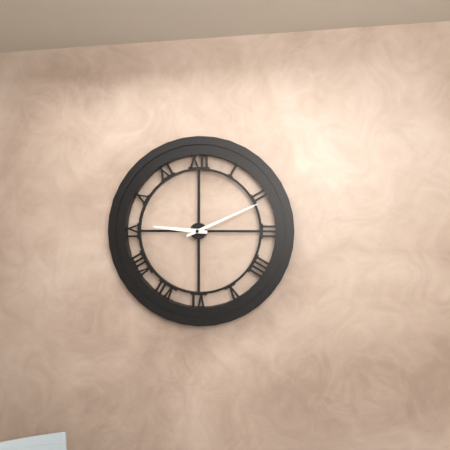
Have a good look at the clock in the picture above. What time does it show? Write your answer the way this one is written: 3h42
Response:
9h11
